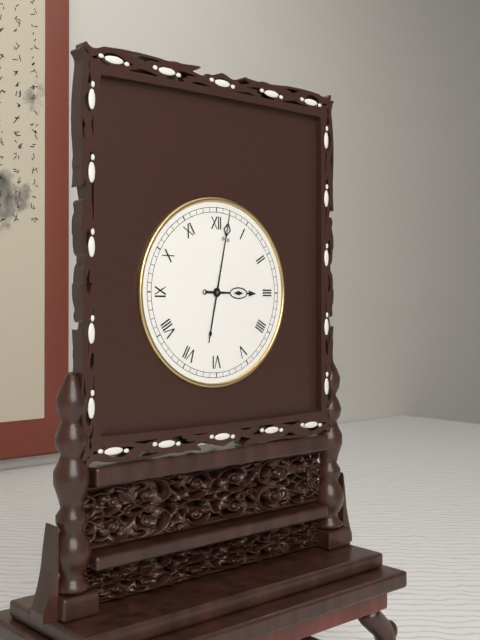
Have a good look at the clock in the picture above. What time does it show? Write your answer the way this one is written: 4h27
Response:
3h02
